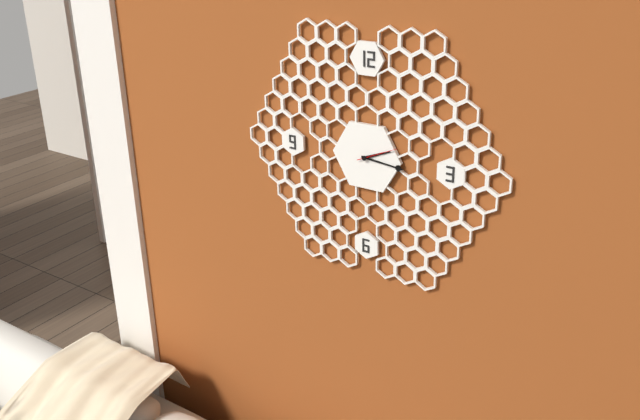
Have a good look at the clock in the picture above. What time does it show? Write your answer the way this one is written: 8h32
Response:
2h16
